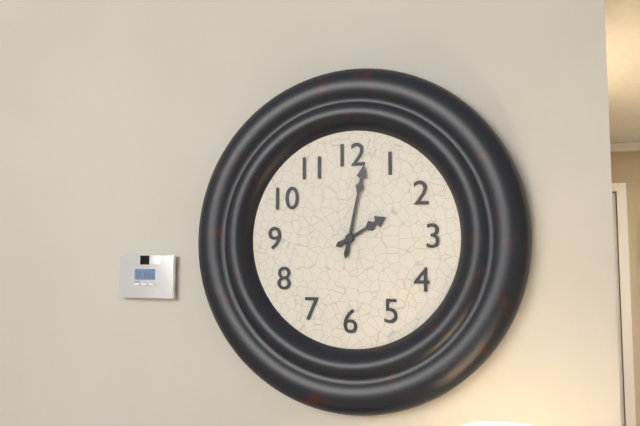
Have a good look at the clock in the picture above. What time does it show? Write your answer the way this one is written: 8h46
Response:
2h02
